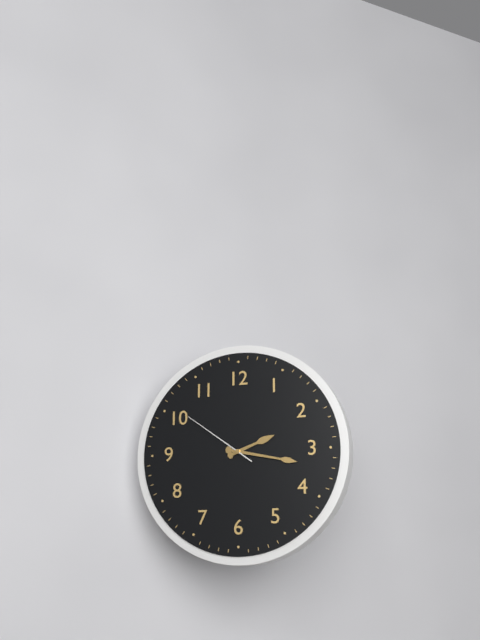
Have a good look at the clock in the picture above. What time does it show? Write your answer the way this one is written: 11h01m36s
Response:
2h17m51s
